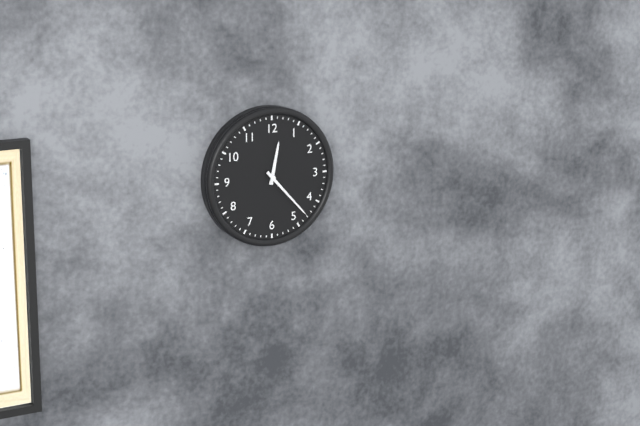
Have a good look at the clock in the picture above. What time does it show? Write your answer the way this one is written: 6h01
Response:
12h23
